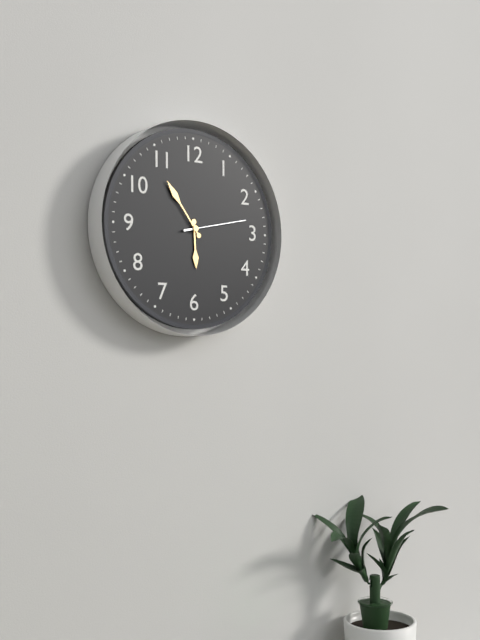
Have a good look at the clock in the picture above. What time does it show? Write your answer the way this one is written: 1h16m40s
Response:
5h54m13s
